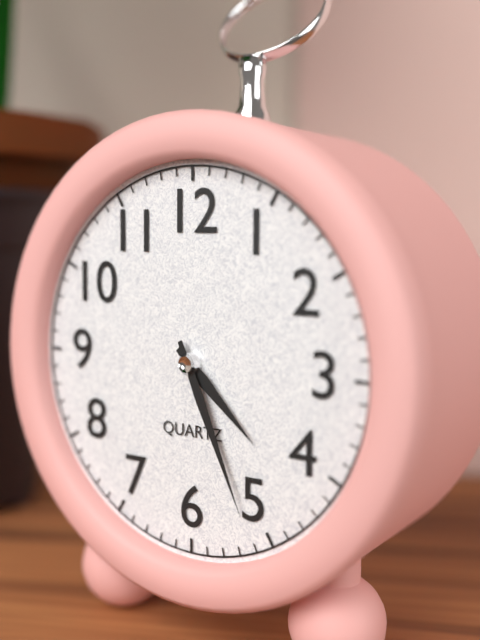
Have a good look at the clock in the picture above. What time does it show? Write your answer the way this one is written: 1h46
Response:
4h26
